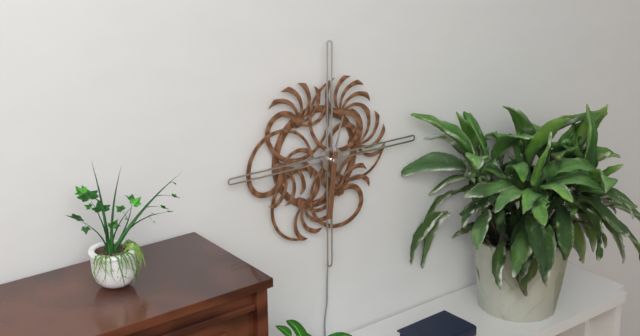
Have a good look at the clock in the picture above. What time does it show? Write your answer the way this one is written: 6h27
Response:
12h31
